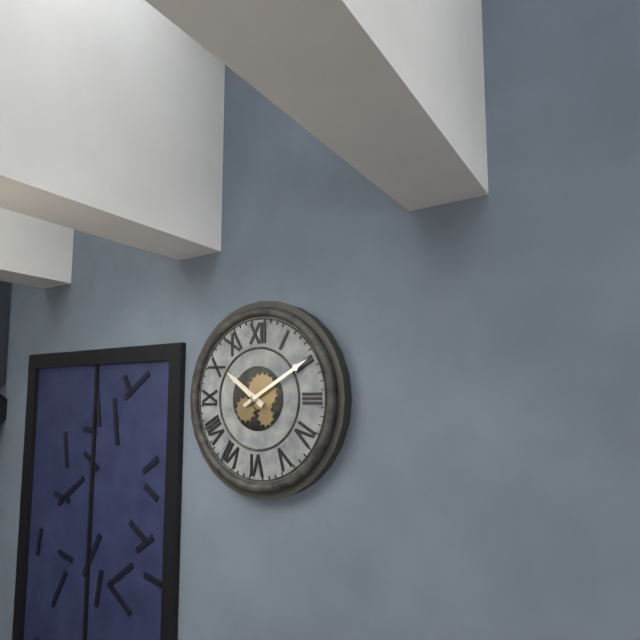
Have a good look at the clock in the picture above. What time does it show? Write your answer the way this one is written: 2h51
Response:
10h10
